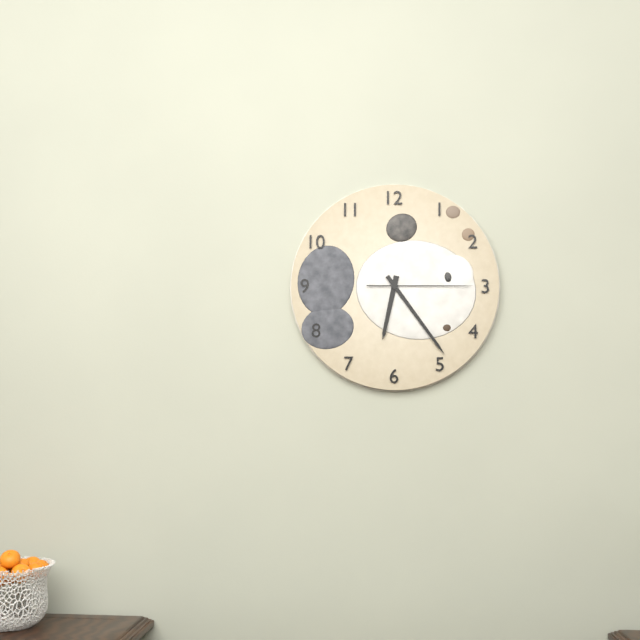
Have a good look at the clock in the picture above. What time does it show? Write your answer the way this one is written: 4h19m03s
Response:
6h24m15s
